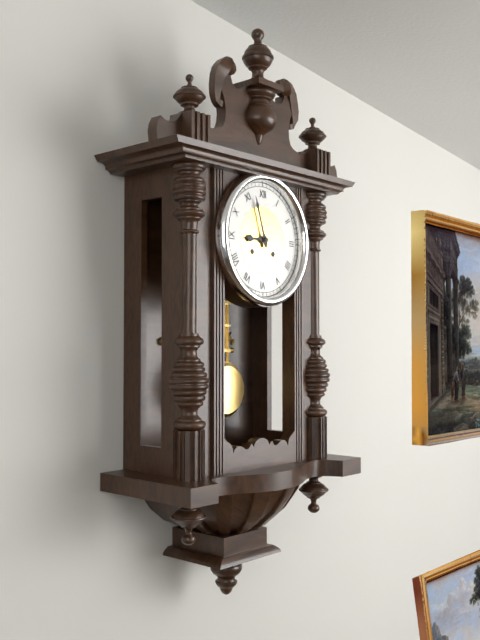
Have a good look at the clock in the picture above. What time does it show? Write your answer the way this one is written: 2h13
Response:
8h57
